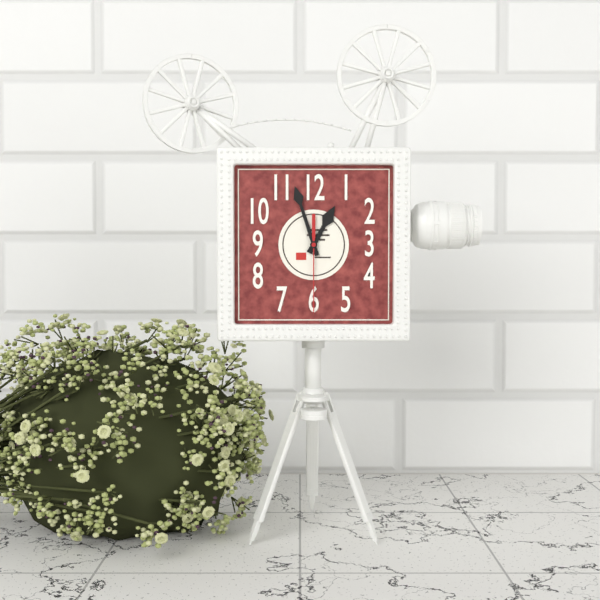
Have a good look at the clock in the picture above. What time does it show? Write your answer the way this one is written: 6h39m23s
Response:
12h57m30s
